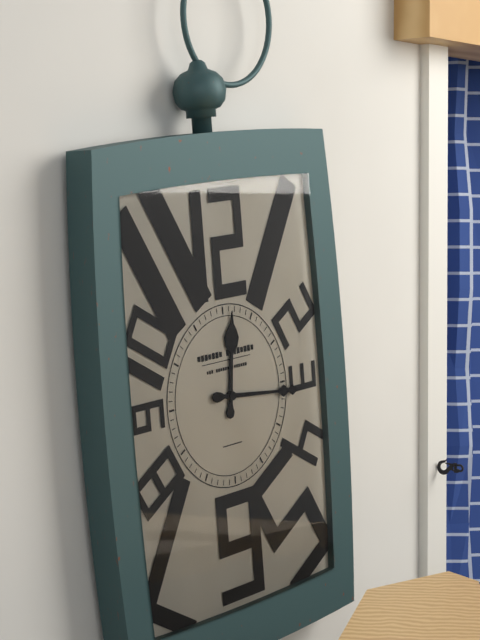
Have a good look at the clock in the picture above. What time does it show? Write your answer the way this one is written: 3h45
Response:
12h16
